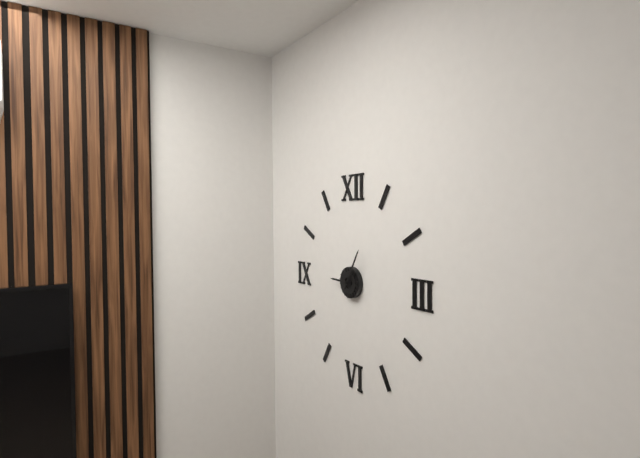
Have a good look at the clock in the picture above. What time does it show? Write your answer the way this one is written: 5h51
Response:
9h05
